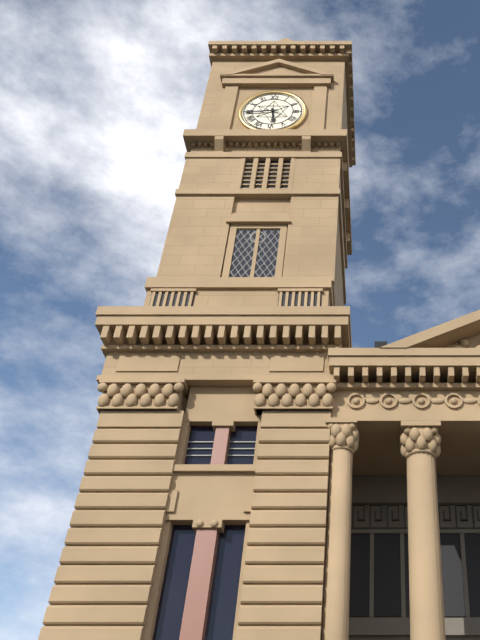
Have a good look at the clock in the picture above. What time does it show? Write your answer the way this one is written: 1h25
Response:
5h44
